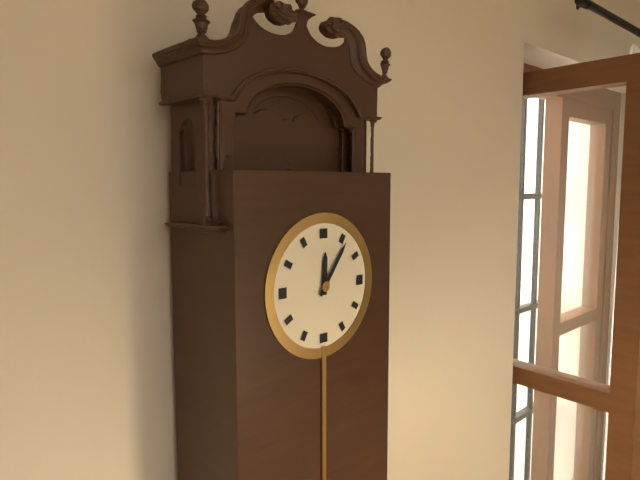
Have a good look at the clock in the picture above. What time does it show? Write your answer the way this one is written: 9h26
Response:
12h06
